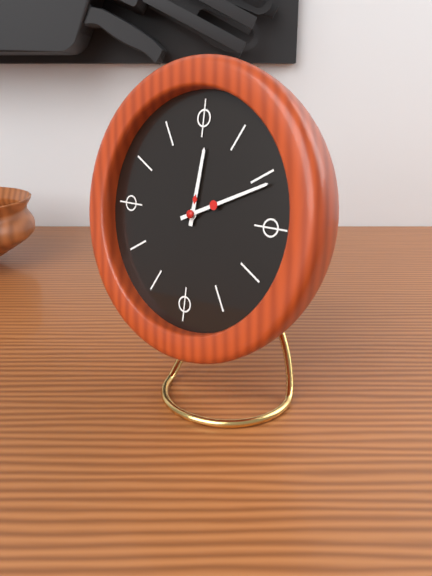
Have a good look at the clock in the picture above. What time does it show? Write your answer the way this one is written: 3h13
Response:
12h11
